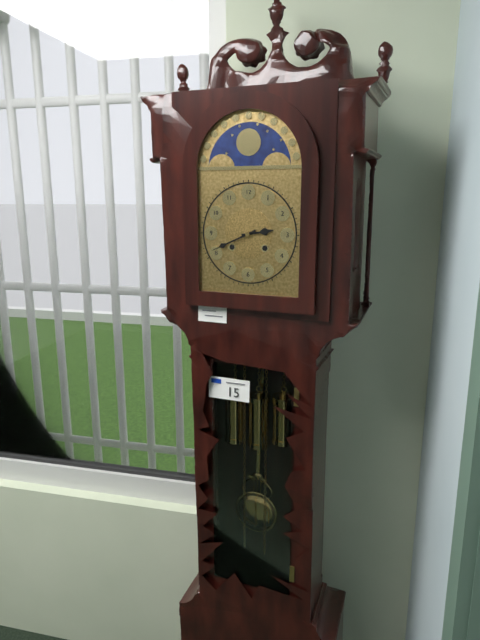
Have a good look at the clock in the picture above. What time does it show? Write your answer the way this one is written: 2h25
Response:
2h41
